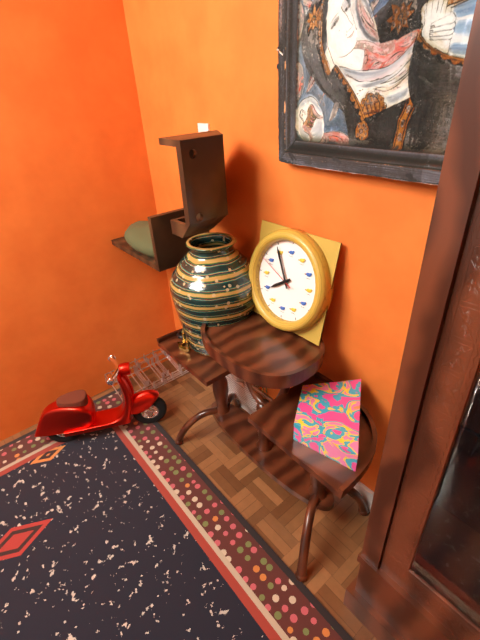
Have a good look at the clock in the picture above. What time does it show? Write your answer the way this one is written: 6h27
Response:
7h55
